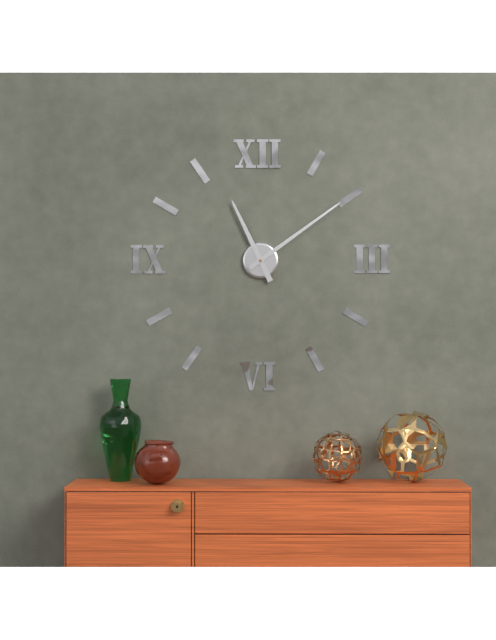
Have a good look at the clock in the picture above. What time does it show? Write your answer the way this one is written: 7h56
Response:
11h09
